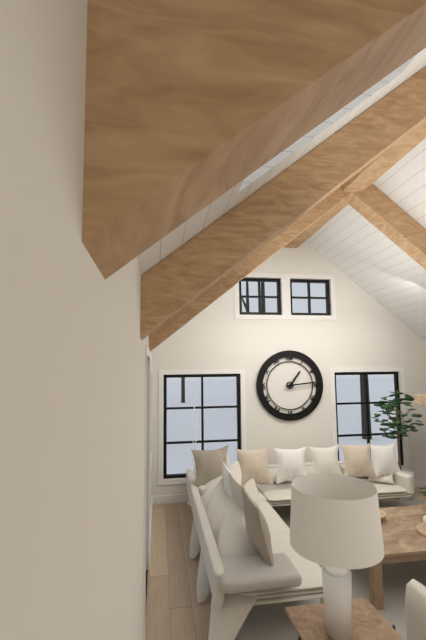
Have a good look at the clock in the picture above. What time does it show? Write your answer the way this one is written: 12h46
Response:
1h14
